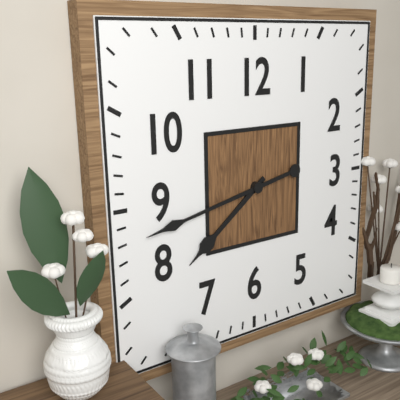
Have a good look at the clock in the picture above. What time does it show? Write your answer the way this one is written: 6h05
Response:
7h43
